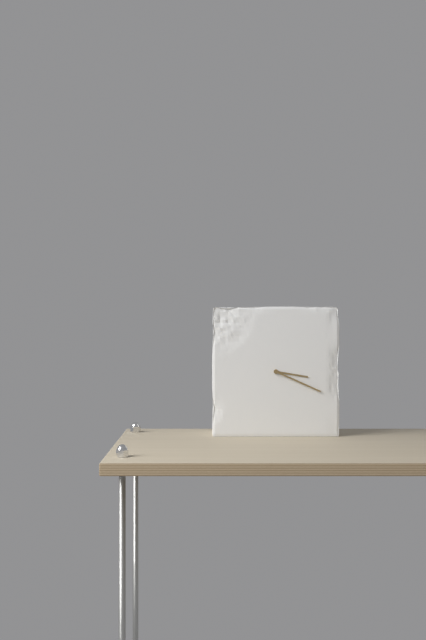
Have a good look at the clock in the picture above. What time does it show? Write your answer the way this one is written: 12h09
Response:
3h19
